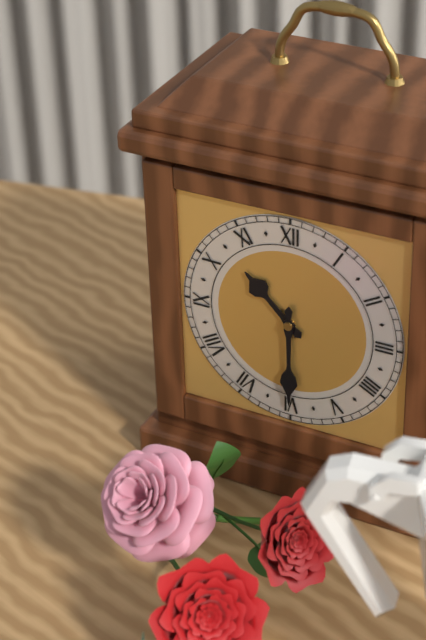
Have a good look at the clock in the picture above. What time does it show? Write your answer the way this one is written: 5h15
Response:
10h30
